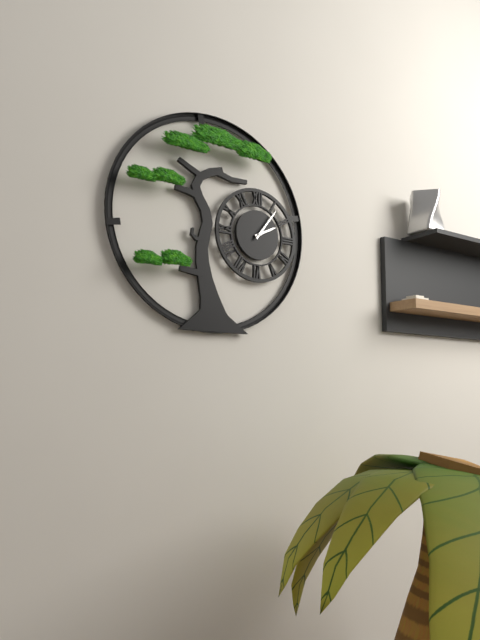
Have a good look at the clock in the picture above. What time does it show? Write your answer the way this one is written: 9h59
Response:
2h06
